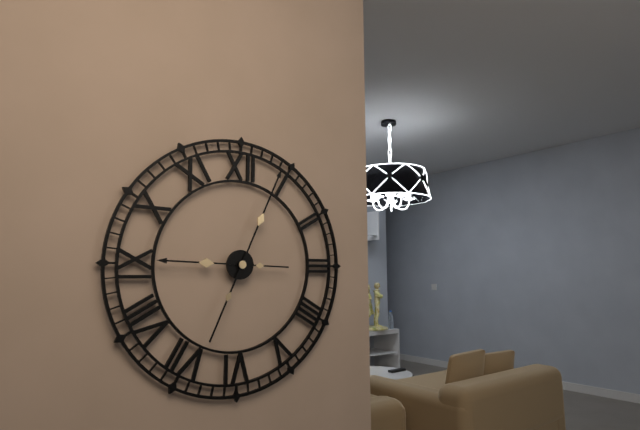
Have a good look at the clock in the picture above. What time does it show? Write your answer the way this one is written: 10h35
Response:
9h04
